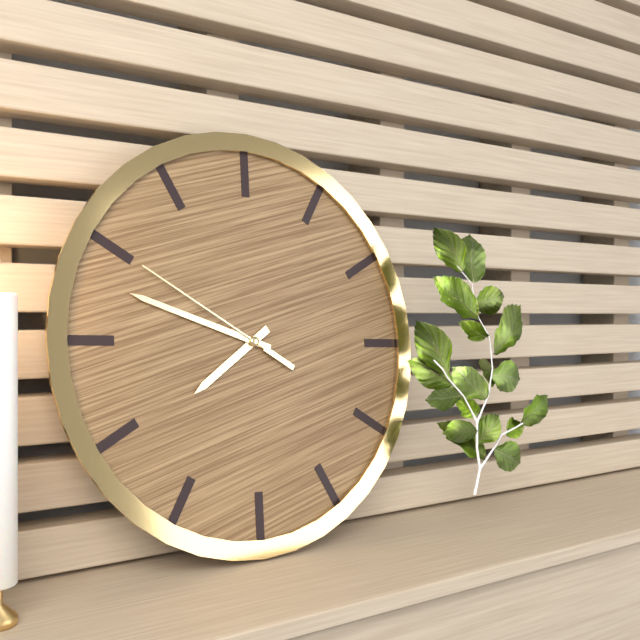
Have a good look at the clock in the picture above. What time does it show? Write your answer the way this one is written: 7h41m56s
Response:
7h48m50s
